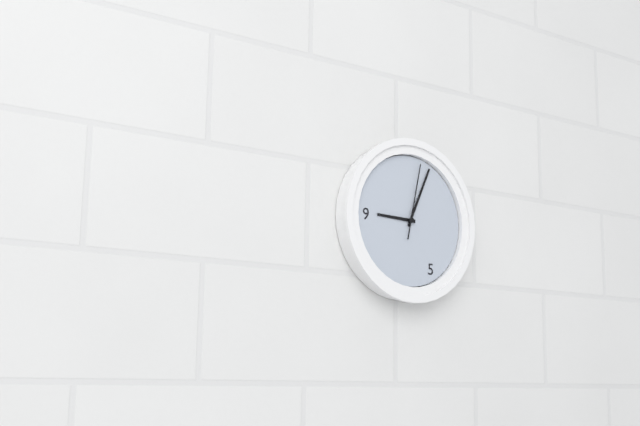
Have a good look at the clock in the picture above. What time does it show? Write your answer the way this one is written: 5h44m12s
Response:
9h04m02s
